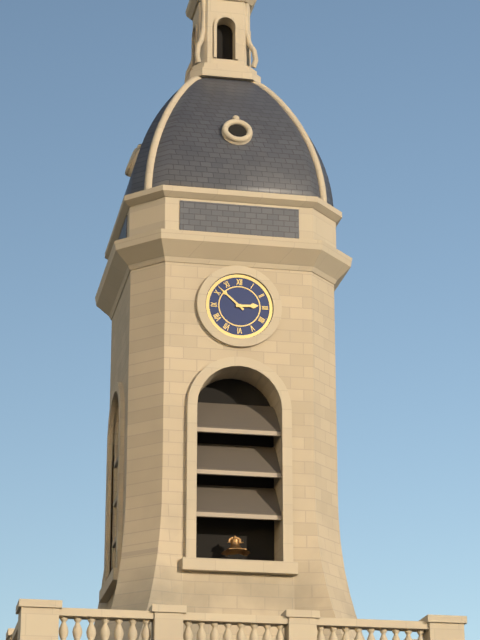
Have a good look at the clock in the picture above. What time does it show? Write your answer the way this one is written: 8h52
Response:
2h52
